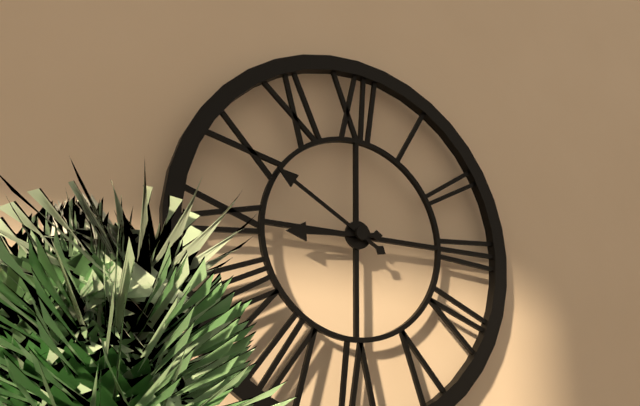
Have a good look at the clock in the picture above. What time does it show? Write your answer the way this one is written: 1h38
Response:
8h50
